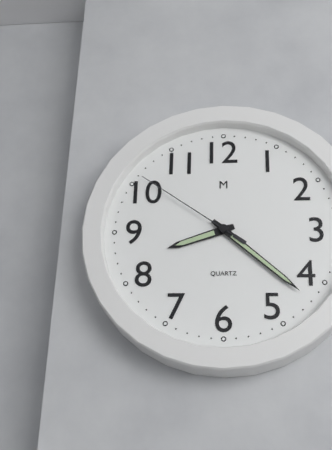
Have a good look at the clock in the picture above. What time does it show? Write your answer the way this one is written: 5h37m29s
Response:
8h22m51s
